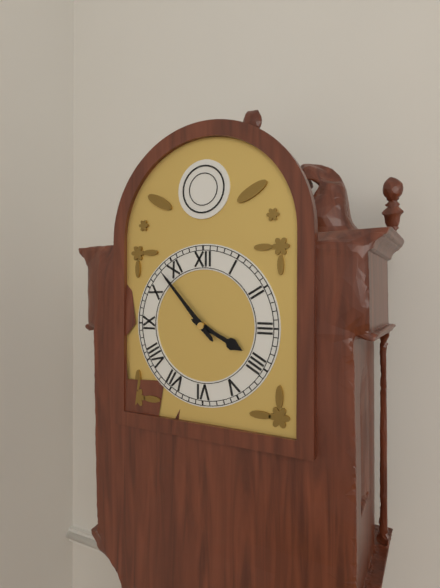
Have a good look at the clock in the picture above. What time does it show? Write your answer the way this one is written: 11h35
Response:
3h53
